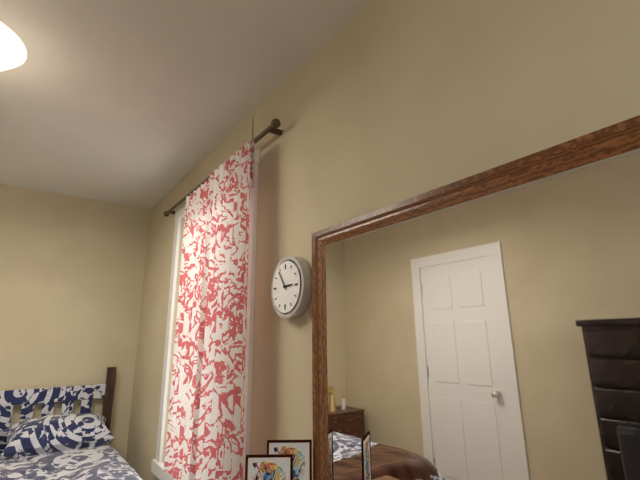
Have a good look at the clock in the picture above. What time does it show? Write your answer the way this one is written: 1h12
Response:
2h54
